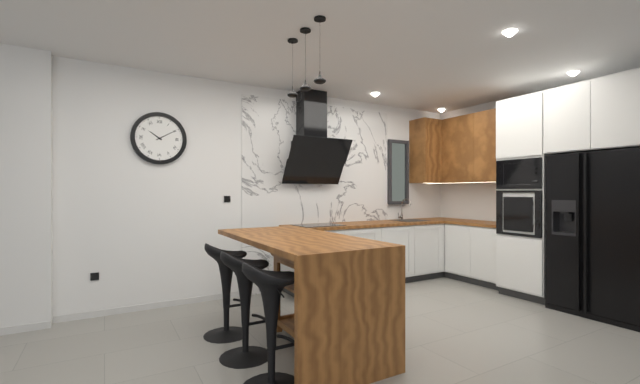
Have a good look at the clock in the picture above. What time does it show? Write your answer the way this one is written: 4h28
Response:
10h10
